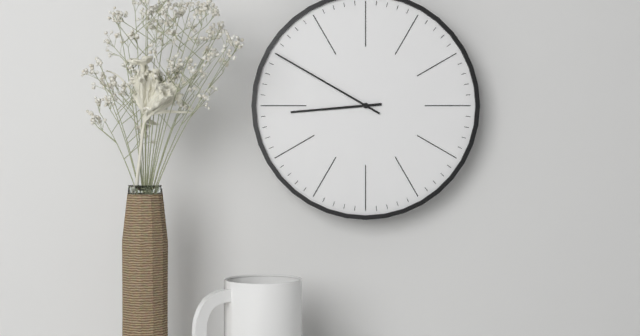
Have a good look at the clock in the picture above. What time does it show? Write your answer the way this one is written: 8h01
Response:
8h50
